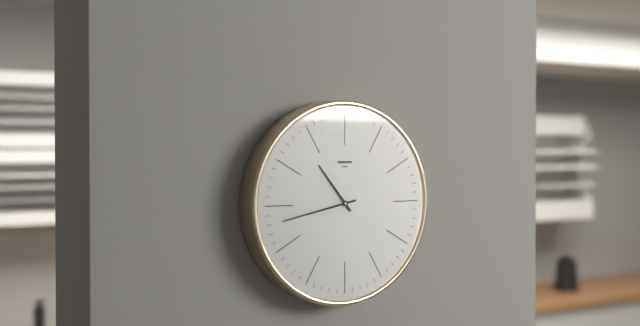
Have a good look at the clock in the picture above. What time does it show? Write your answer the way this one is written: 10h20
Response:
10h43
